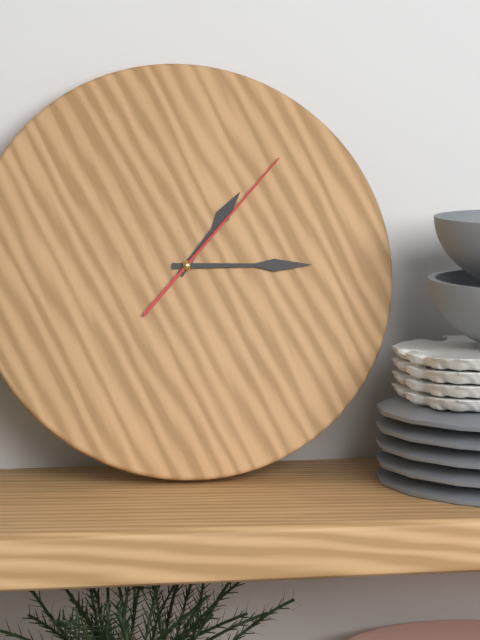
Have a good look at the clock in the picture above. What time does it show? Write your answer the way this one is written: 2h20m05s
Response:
1h15m07s
